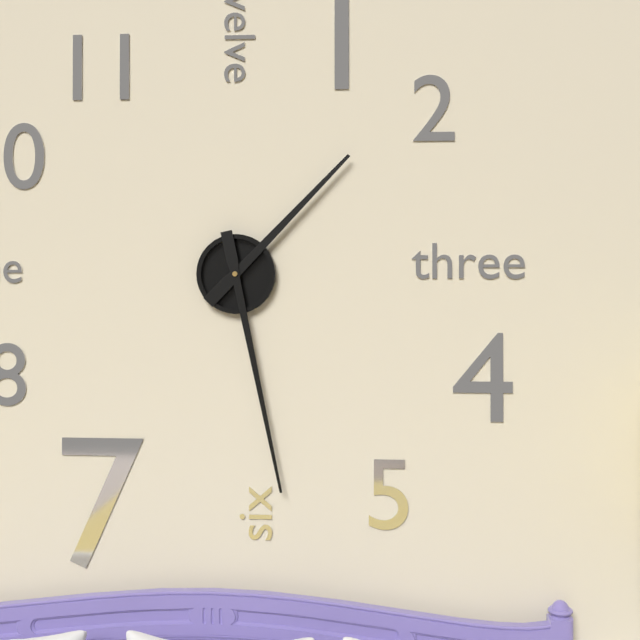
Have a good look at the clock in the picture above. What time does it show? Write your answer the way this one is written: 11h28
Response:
1h28
